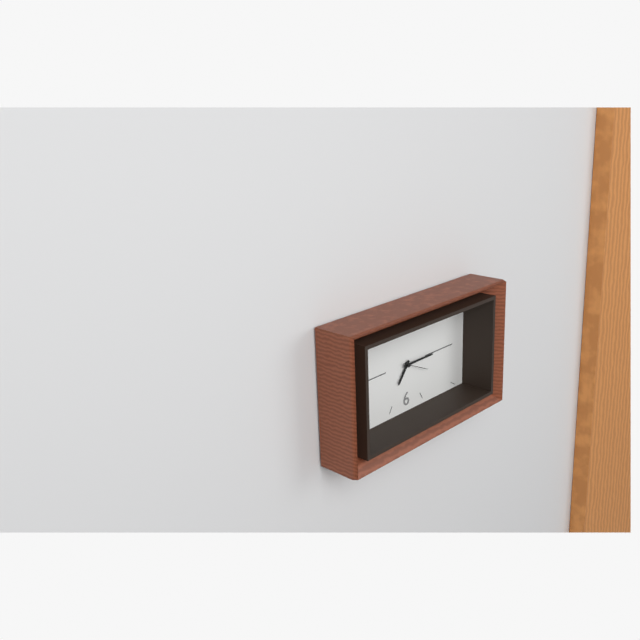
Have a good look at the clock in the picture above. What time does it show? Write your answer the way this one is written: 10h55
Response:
7h15
